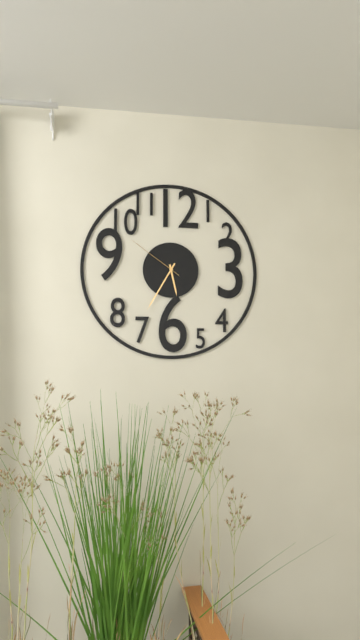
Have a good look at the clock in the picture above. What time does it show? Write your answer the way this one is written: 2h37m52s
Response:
5h35m51s
